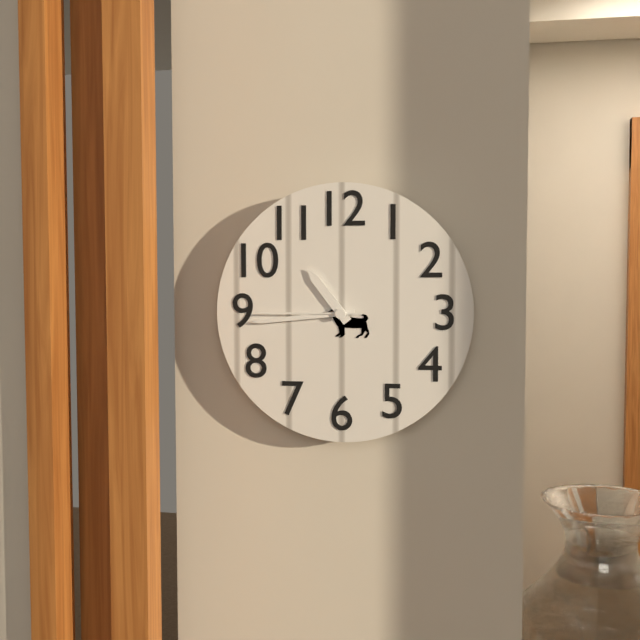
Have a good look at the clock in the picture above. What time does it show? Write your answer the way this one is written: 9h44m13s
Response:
10h44m45s
